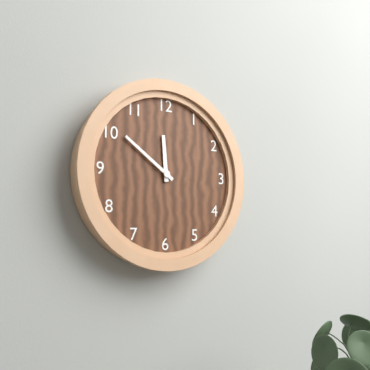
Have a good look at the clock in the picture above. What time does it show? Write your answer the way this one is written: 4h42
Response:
11h51
